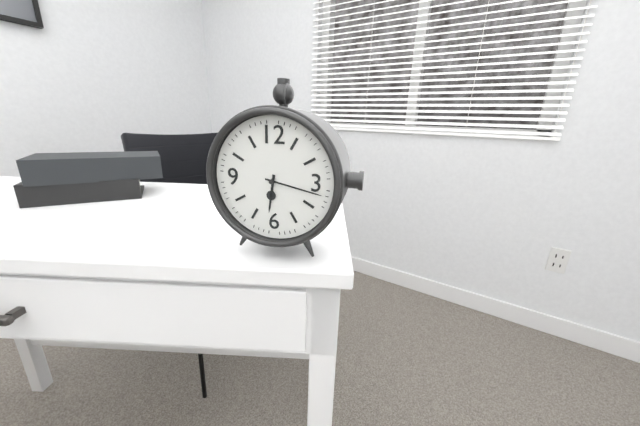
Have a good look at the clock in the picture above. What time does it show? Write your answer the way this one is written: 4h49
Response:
6h17
